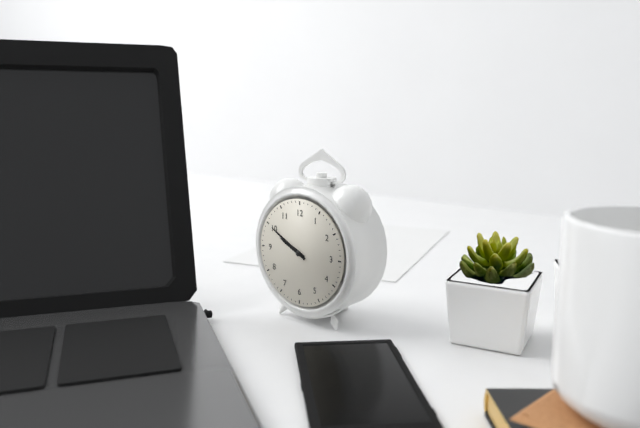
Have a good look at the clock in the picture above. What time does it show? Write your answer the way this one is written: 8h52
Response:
9h50
